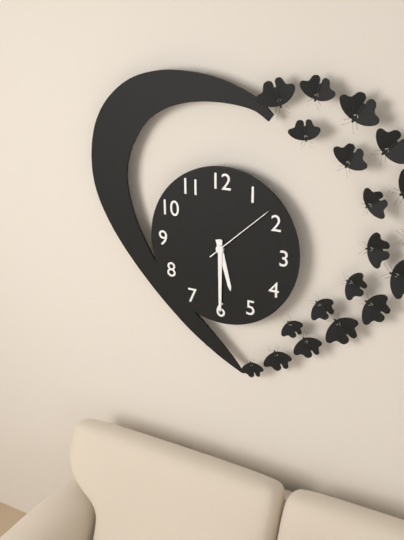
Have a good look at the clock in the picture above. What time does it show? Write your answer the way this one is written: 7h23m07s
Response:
5h30m08s
